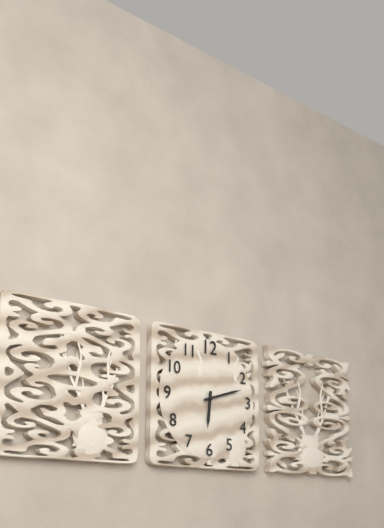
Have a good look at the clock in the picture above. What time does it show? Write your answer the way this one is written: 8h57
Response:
6h12
